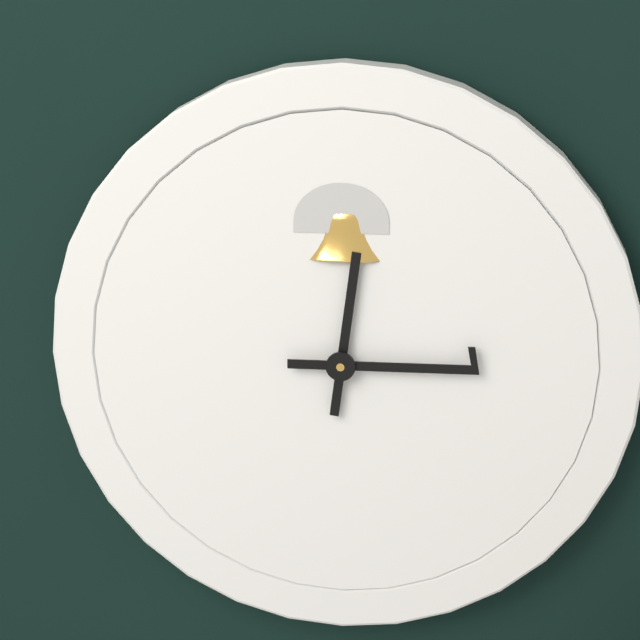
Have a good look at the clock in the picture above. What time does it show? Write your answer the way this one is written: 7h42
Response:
12h15
